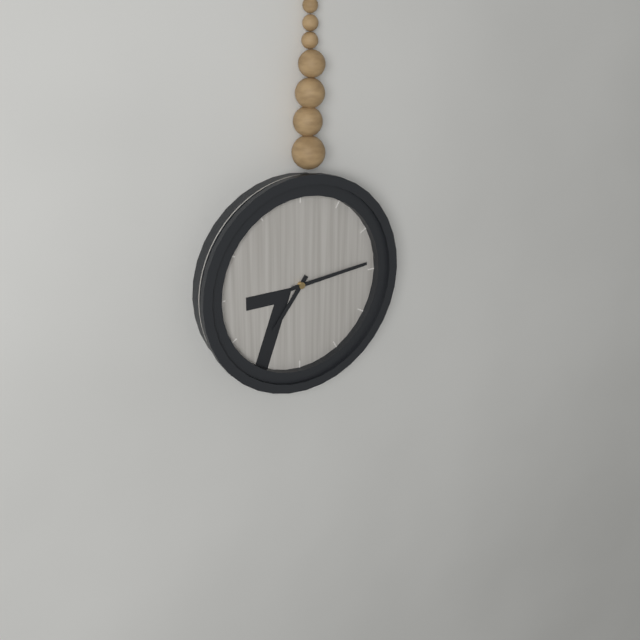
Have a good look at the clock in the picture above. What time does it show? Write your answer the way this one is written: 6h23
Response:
7h14
